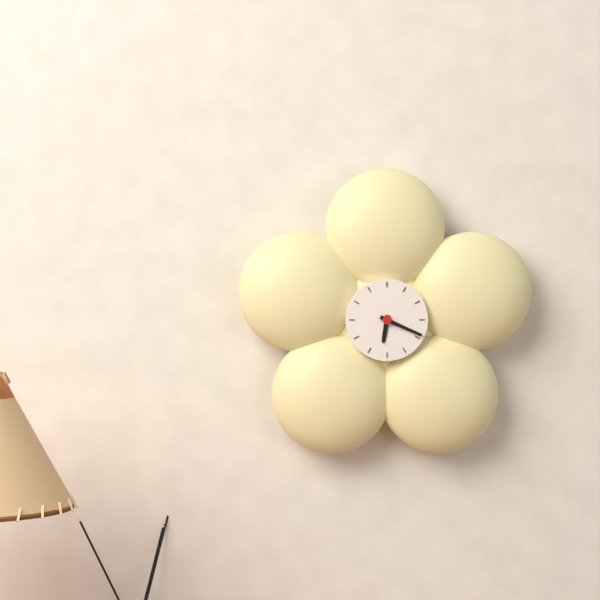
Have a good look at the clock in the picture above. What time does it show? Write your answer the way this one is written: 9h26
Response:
6h19
